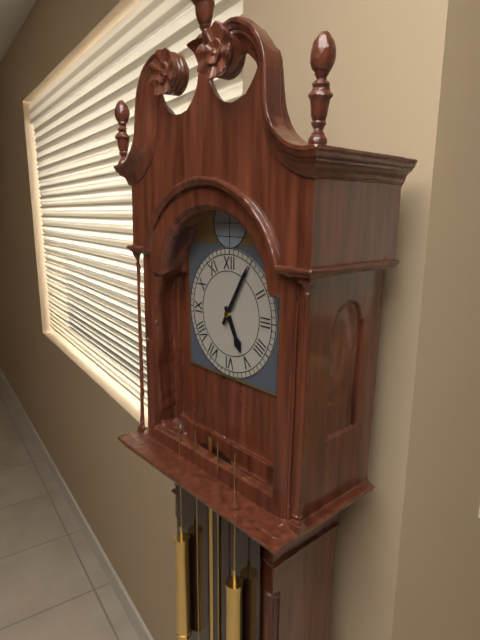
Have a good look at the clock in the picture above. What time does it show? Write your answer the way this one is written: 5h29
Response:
5h05
